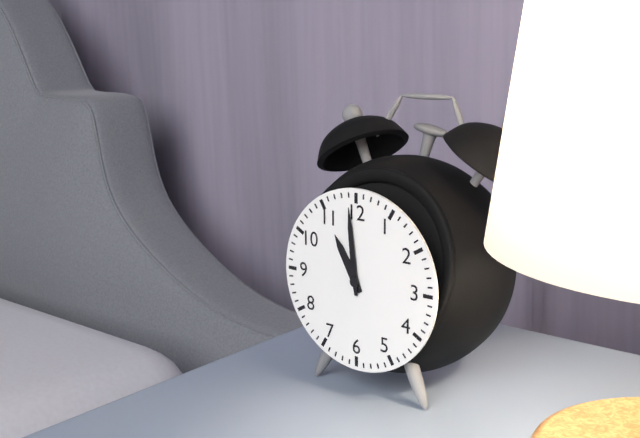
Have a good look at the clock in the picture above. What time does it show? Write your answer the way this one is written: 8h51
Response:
10h59
